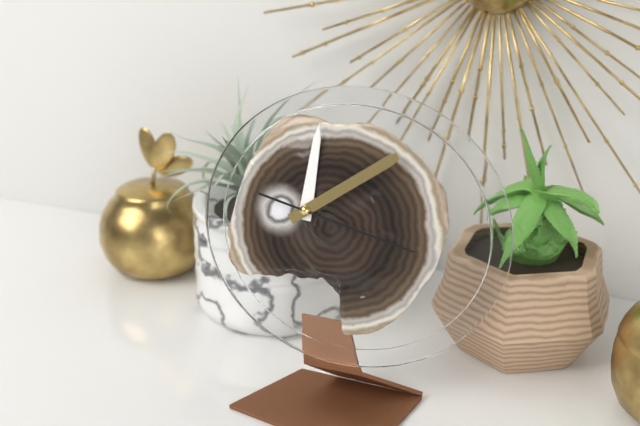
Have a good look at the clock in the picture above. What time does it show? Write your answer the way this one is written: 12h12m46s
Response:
12h09m17s
